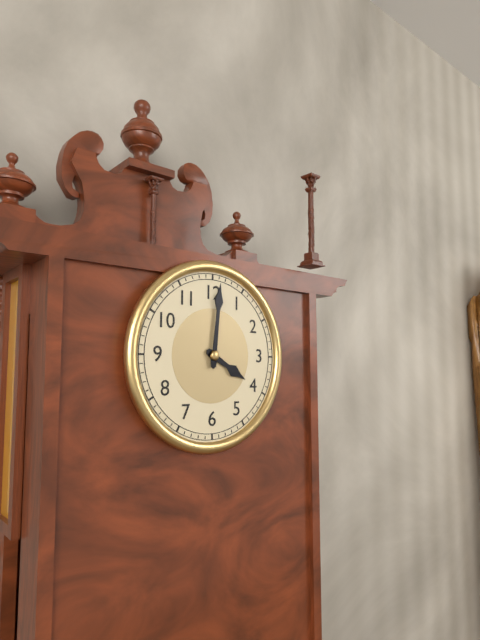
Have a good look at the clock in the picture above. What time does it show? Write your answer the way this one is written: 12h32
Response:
4h01
